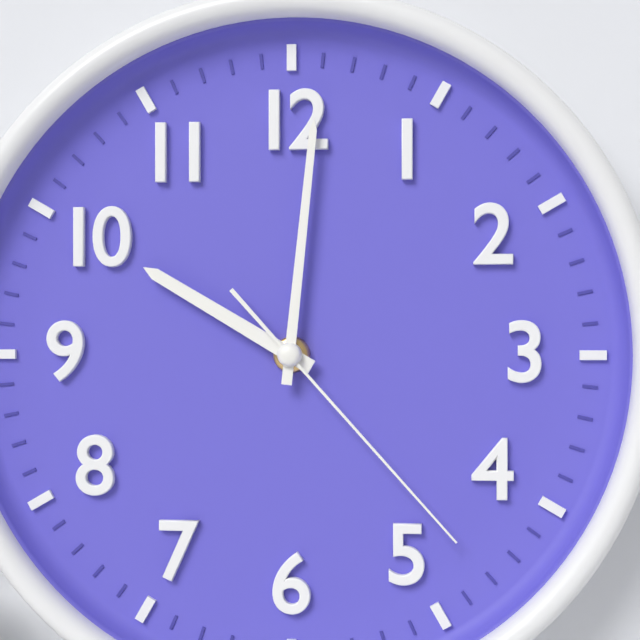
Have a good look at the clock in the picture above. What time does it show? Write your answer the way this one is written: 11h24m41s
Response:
10h01m23s
